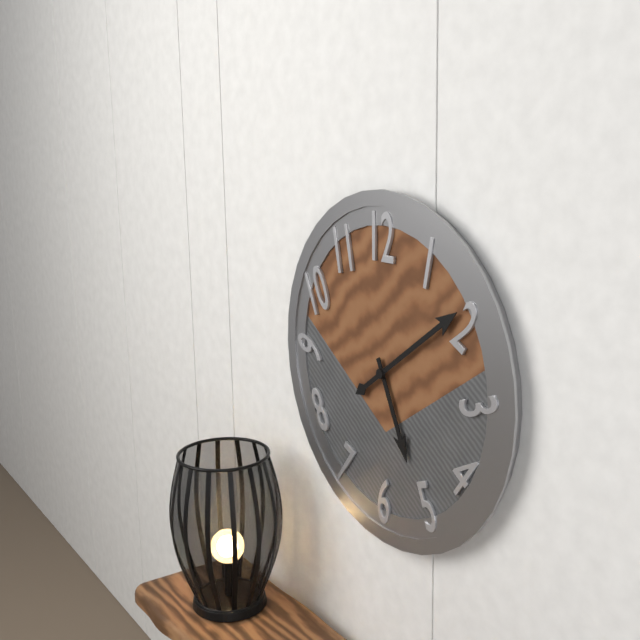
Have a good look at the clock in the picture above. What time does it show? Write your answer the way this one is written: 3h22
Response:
5h09
